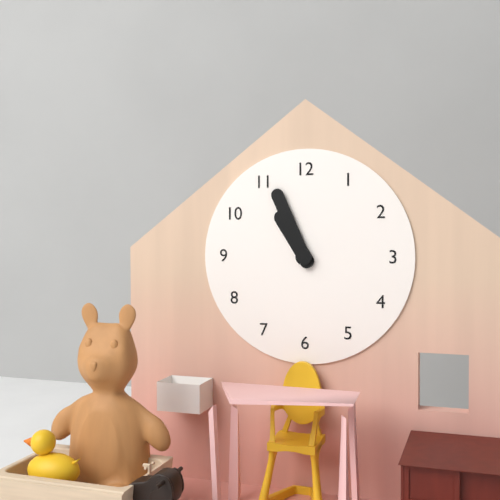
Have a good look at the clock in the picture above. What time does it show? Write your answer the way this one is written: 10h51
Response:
10h56
